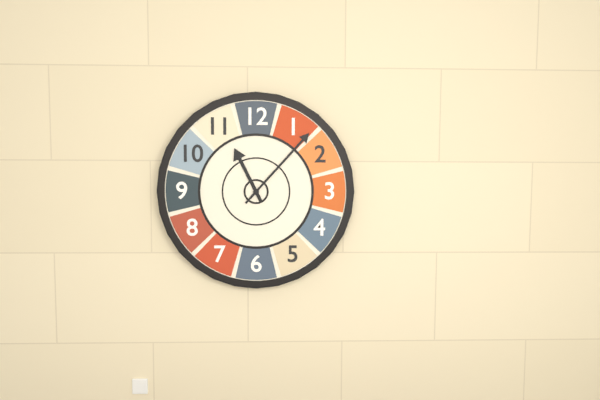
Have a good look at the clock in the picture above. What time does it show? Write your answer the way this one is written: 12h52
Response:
11h07
